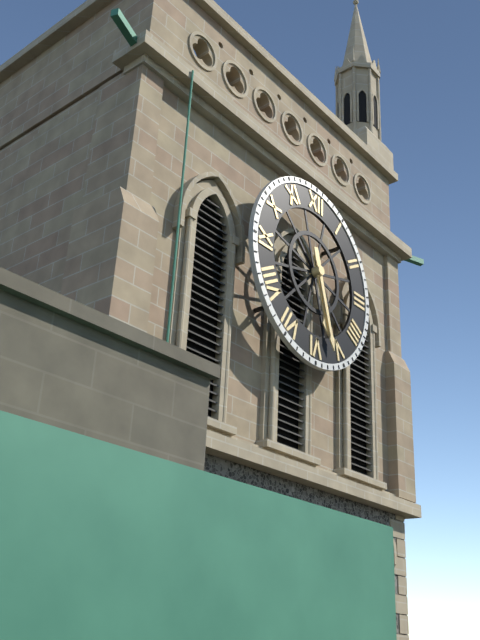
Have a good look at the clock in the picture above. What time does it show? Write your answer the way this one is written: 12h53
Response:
5h27
